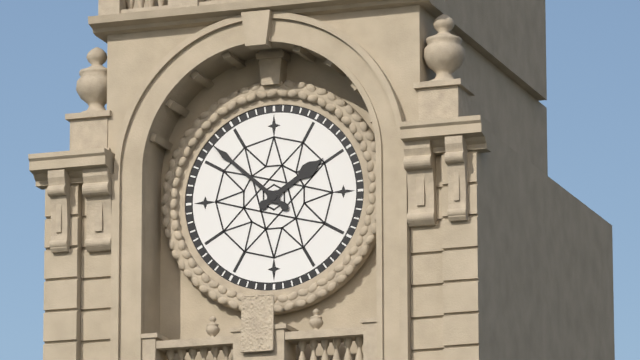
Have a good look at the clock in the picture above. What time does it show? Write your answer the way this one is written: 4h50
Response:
1h52
